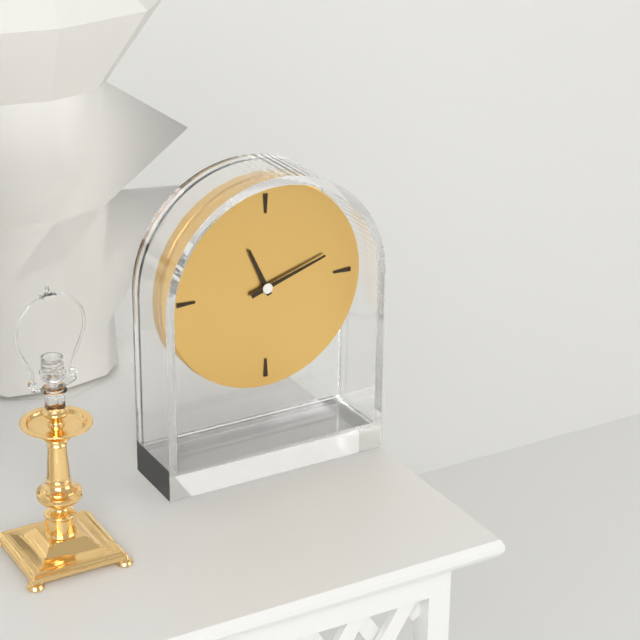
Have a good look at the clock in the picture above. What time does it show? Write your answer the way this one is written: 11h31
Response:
11h12
